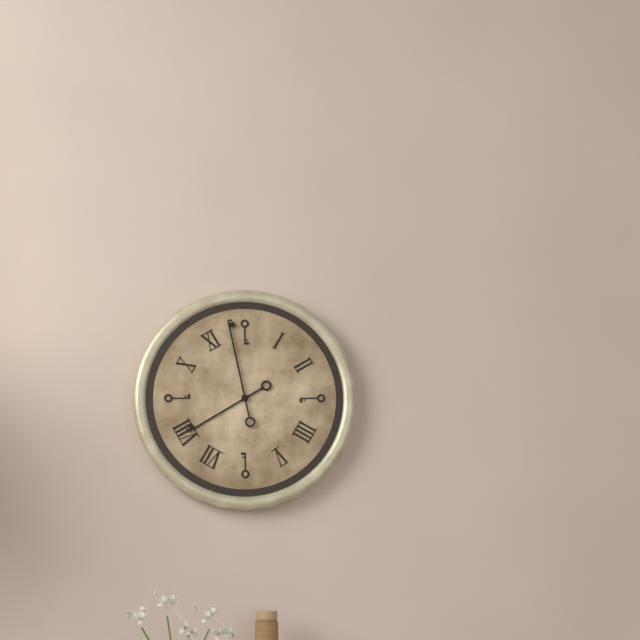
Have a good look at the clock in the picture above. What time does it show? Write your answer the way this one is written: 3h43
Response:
7h58
